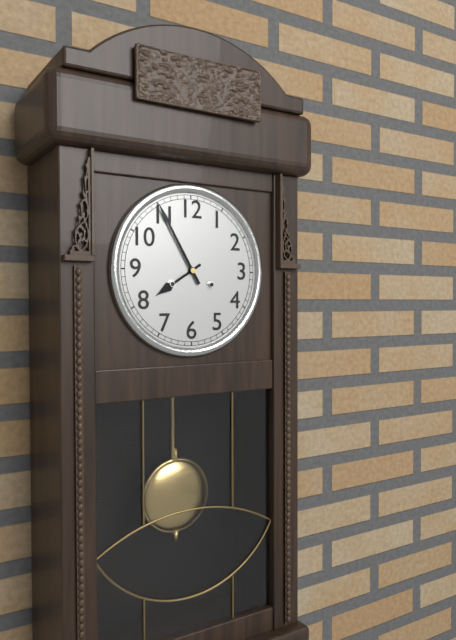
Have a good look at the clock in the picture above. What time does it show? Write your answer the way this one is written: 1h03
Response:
7h55
